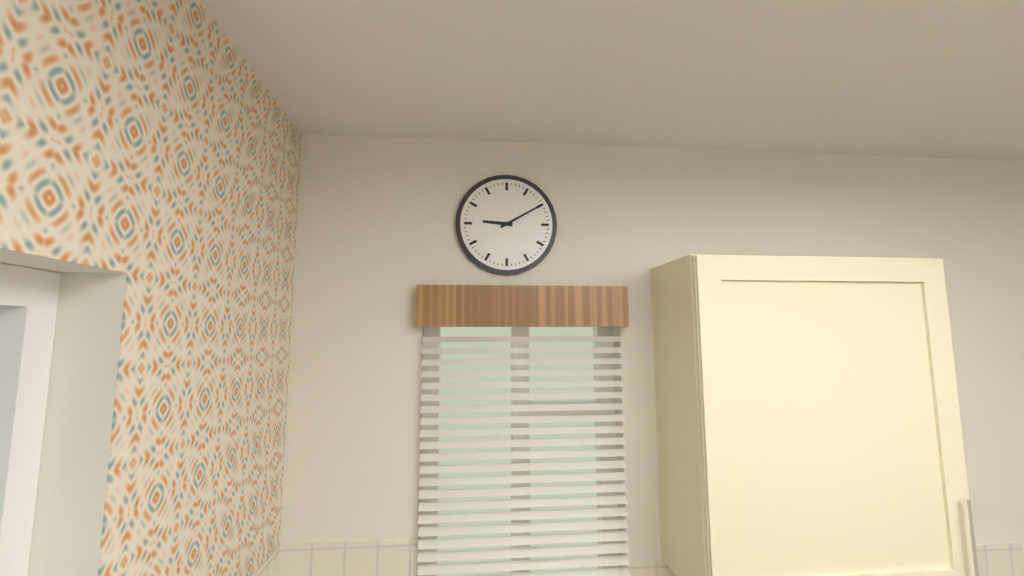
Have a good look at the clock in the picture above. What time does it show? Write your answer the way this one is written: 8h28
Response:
9h10
